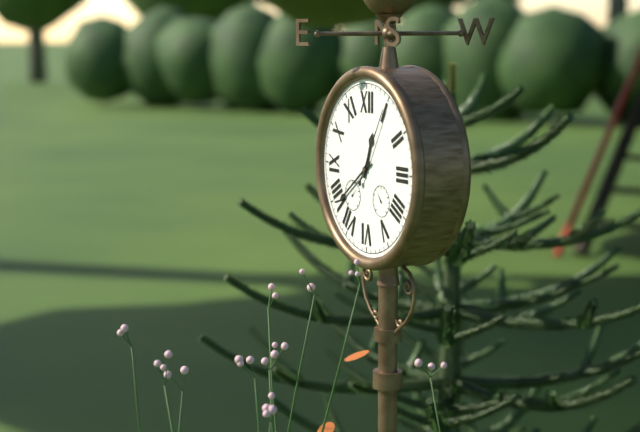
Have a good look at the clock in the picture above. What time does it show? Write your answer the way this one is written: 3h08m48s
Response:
12h39m05s
